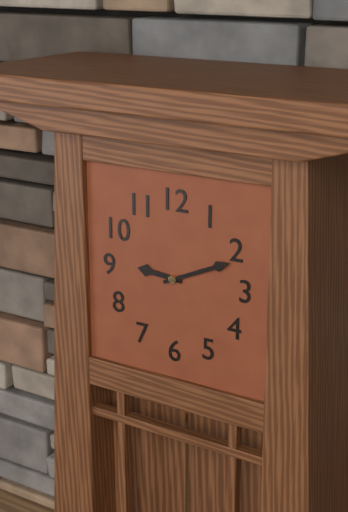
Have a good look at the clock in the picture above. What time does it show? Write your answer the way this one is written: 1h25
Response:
9h11
